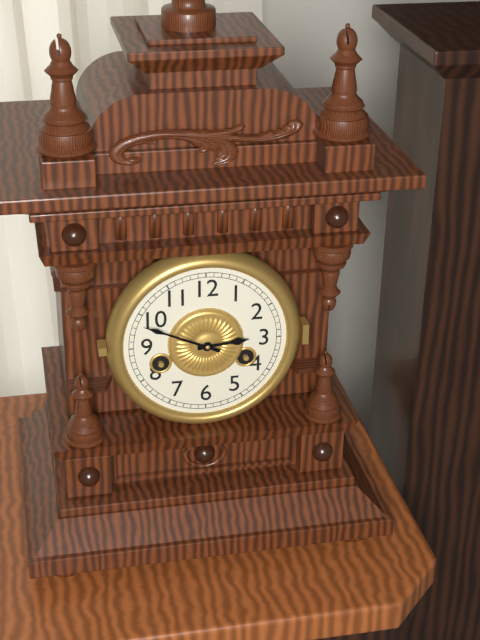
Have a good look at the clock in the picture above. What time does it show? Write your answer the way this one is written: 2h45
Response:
2h49
